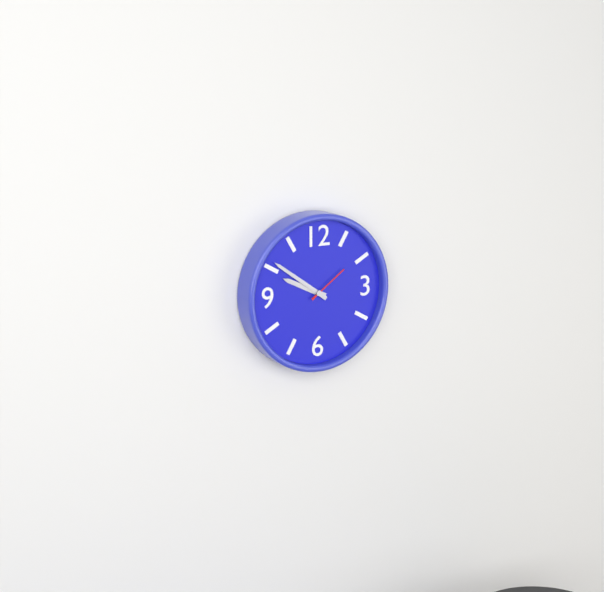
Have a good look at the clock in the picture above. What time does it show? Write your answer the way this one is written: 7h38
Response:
9h51
